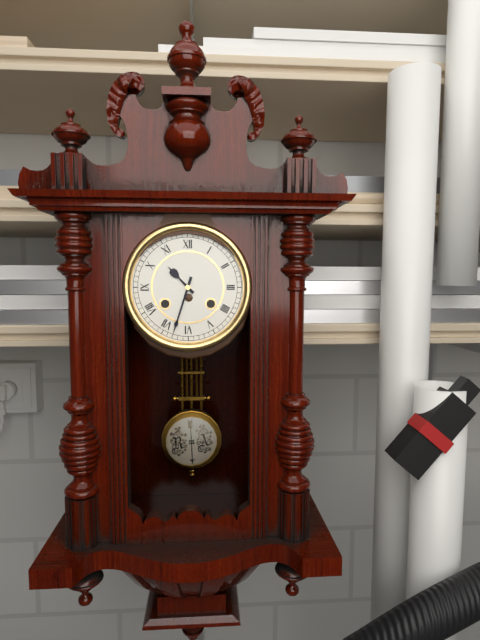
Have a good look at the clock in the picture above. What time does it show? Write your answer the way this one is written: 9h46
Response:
10h33
